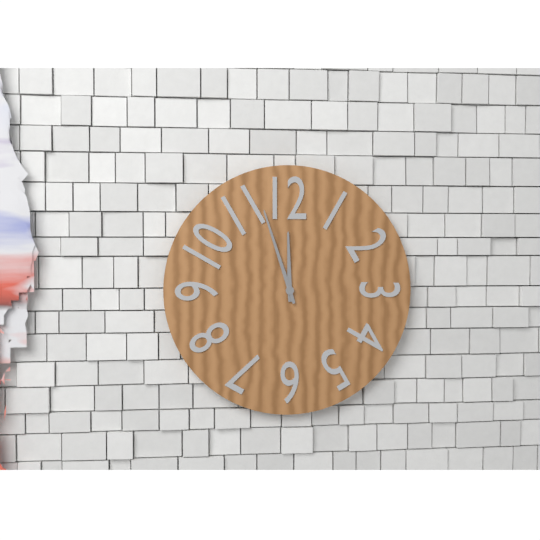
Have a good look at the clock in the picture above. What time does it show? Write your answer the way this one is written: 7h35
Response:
11h57
